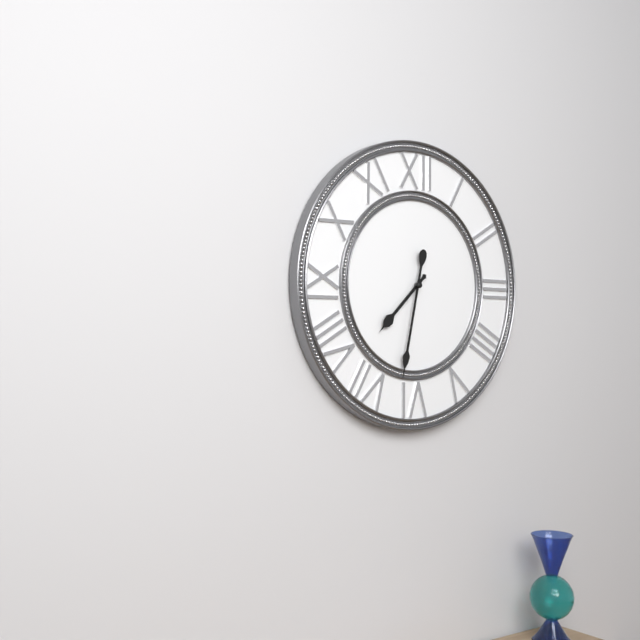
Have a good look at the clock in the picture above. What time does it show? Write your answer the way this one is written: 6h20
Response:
7h32
